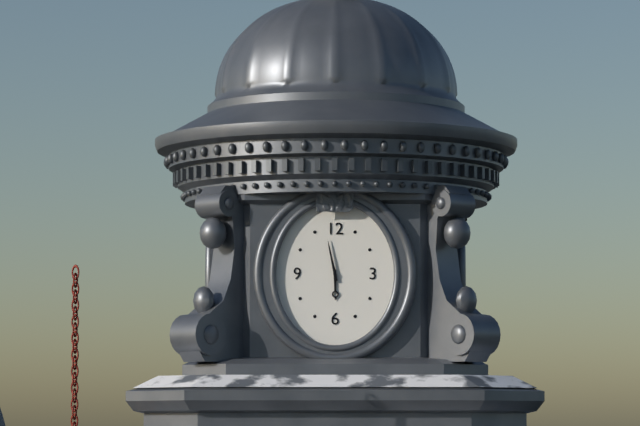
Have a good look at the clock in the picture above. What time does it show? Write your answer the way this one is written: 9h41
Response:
5h58
